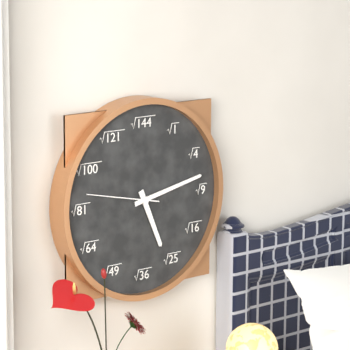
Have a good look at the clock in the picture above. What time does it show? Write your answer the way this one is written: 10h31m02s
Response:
5h13m47s
